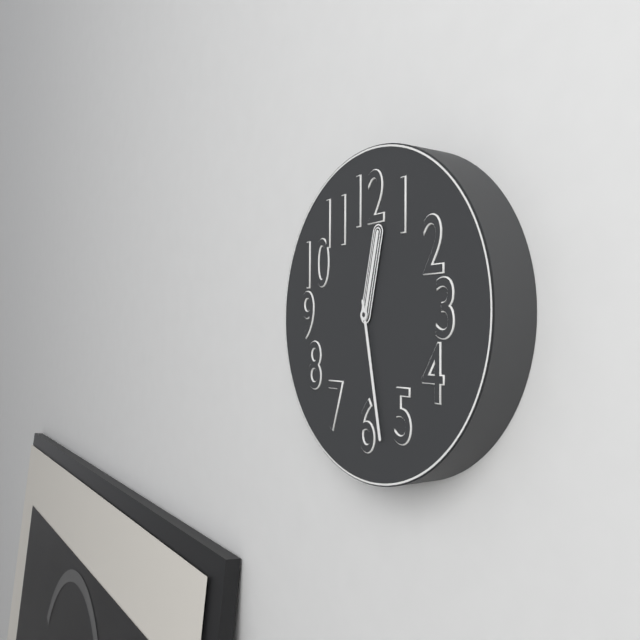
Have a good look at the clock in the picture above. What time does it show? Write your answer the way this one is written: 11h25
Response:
12h28
